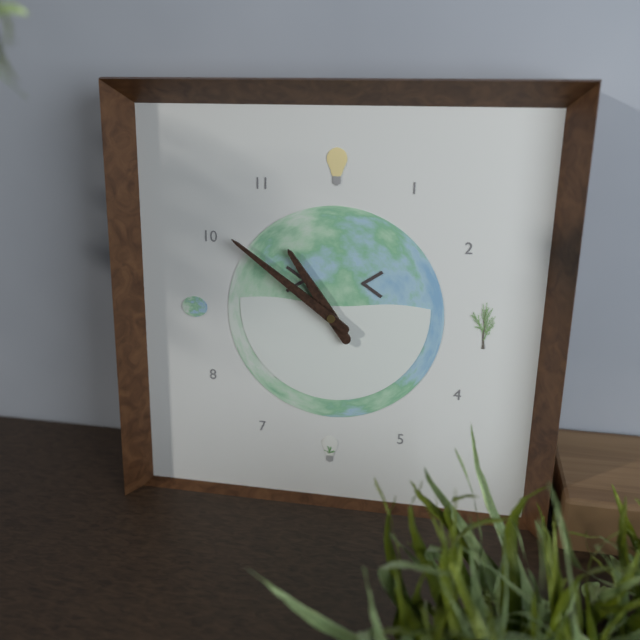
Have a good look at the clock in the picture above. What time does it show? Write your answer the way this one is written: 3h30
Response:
10h51
